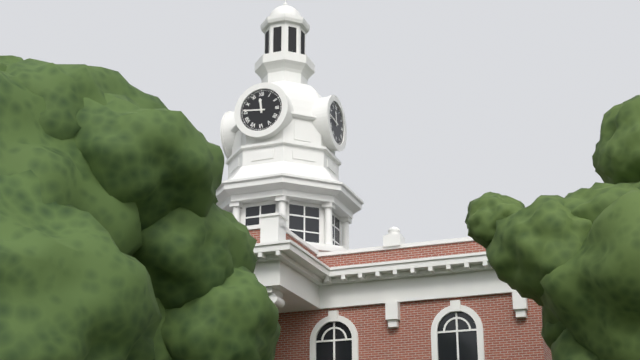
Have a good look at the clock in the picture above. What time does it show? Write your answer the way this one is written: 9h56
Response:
11h46
